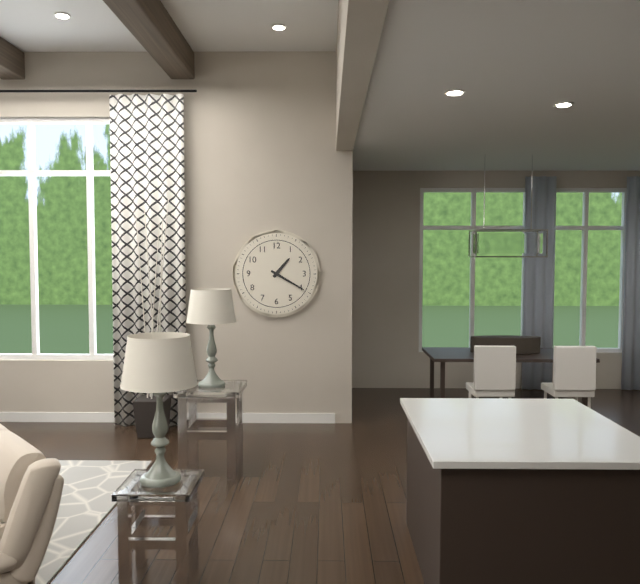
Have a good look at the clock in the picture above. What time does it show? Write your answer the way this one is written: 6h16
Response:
1h20
